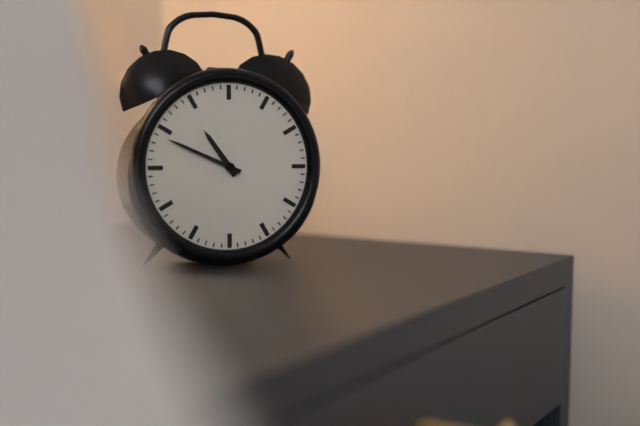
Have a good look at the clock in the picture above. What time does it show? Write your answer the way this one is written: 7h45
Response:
10h49
